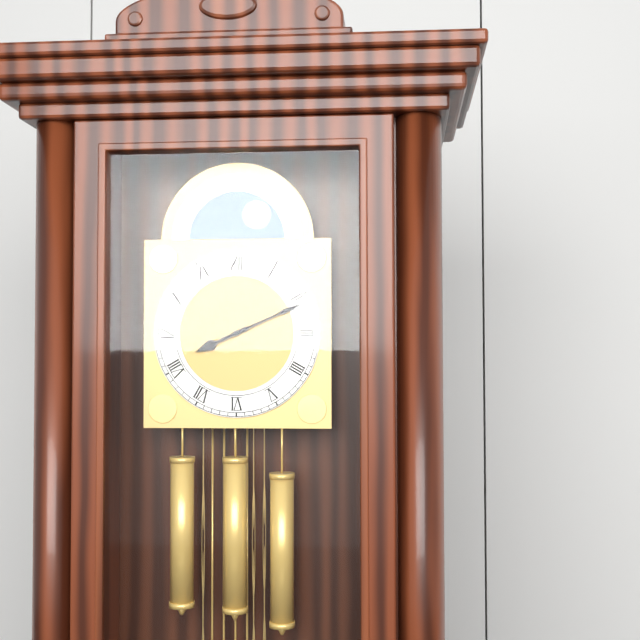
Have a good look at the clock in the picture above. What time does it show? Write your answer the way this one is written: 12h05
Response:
8h11
